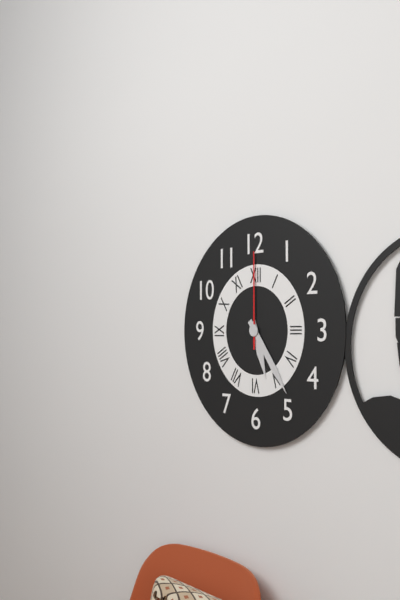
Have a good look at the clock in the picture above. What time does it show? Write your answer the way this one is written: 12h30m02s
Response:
5h24m00s
